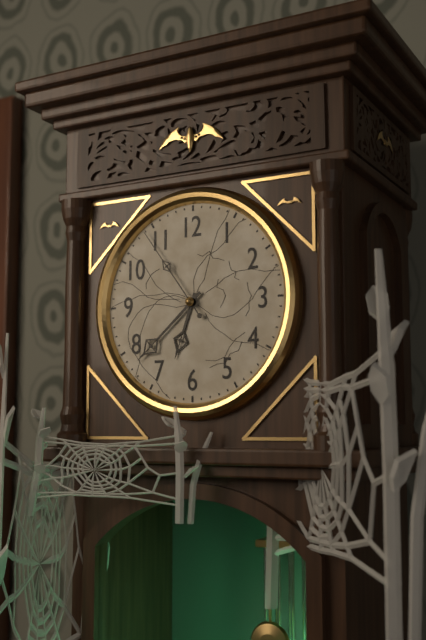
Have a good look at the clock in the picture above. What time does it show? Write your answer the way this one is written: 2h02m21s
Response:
6h38m54s
